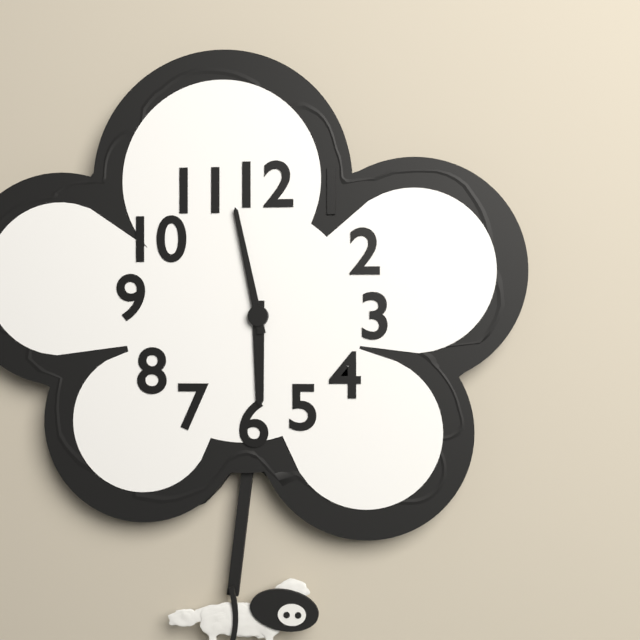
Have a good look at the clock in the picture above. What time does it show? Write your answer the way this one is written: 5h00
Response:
5h58
